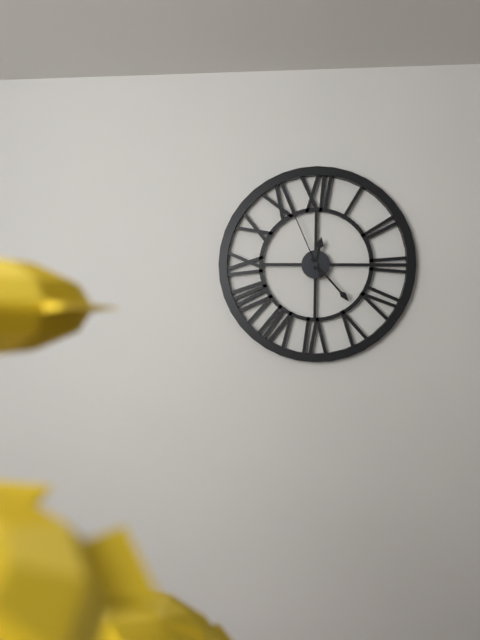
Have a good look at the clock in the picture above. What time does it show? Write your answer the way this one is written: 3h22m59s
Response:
12h23m56s
